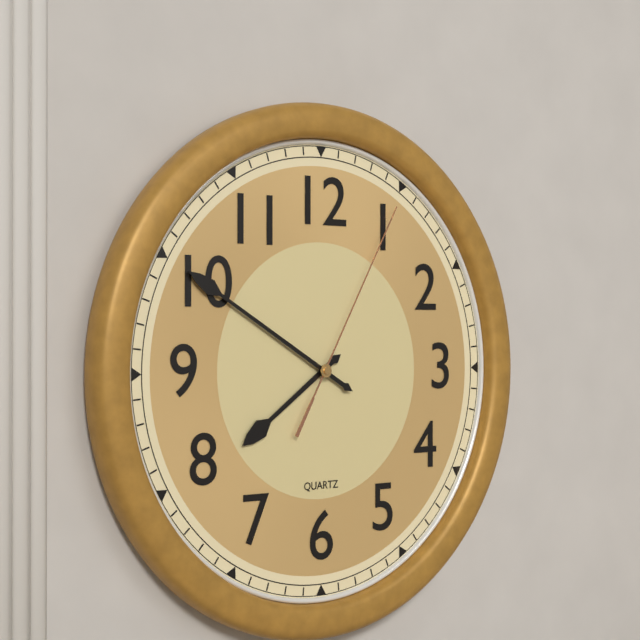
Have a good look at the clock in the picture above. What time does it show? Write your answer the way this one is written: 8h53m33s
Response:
7h50m05s
